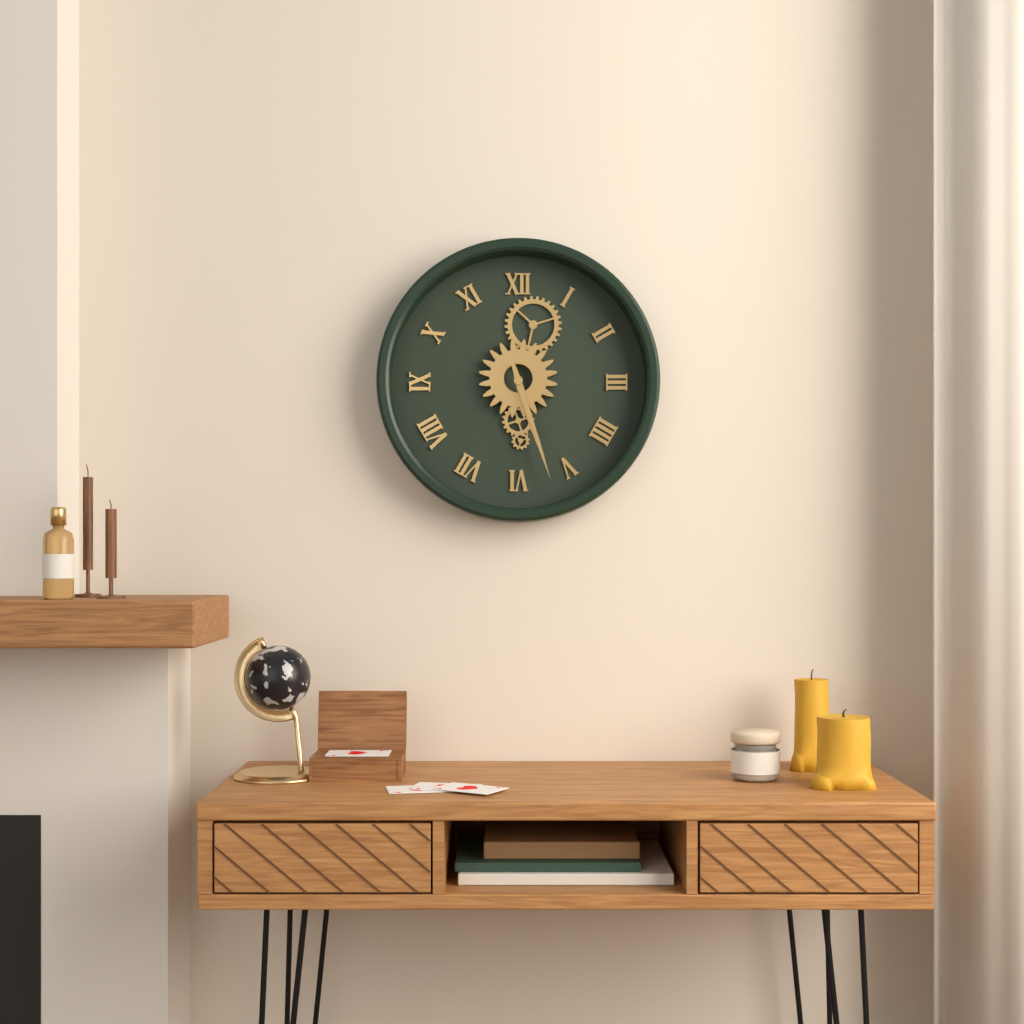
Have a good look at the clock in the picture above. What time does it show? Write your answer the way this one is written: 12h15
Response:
5h27
